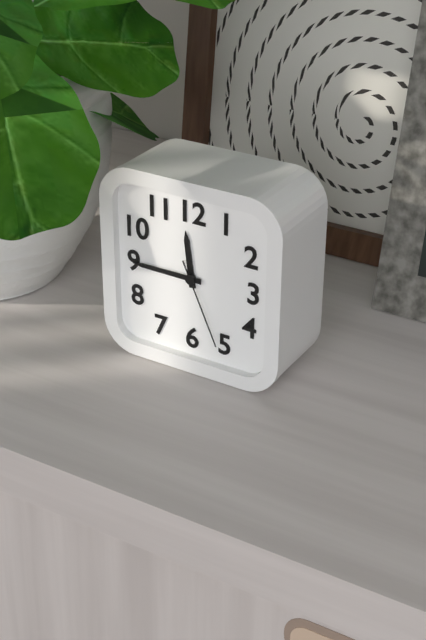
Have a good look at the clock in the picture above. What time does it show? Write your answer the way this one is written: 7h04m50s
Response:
11h45m26s
